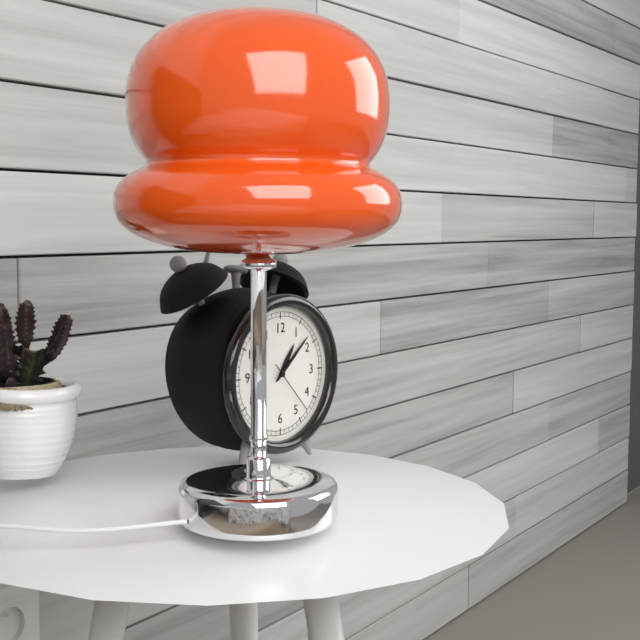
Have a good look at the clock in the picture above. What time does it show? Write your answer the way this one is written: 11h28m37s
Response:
1h08m23s
